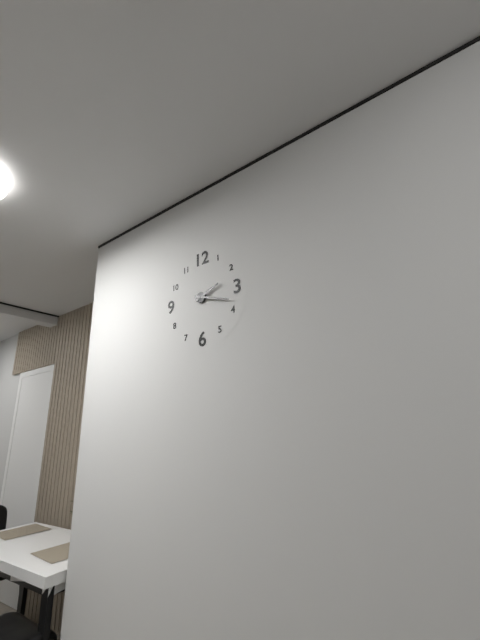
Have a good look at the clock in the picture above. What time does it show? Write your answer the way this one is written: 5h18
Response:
2h18
